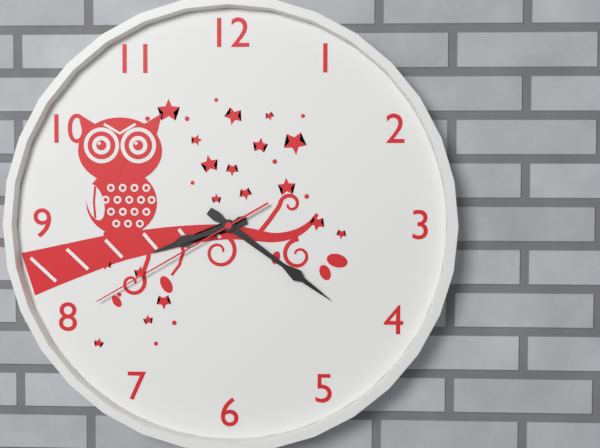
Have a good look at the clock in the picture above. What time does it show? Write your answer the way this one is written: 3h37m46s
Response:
8h21m40s
